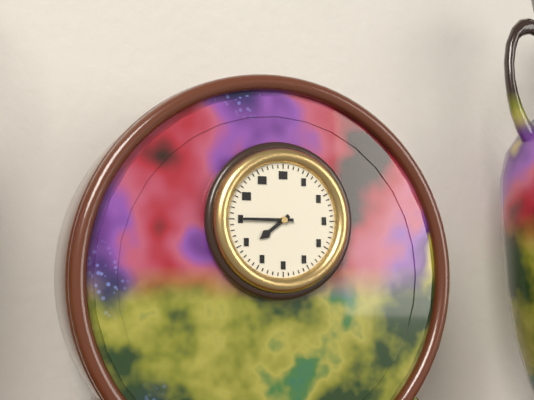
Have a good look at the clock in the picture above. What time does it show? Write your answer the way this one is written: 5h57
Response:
7h45
